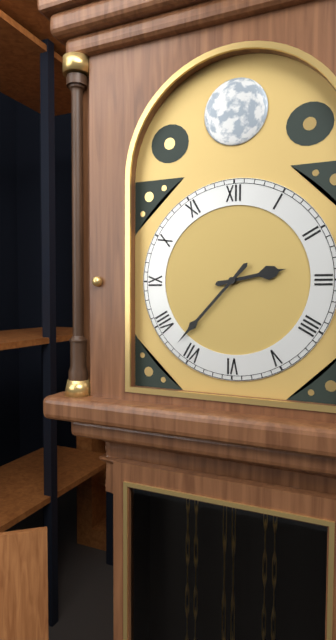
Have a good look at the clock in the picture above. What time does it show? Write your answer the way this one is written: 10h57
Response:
2h37
